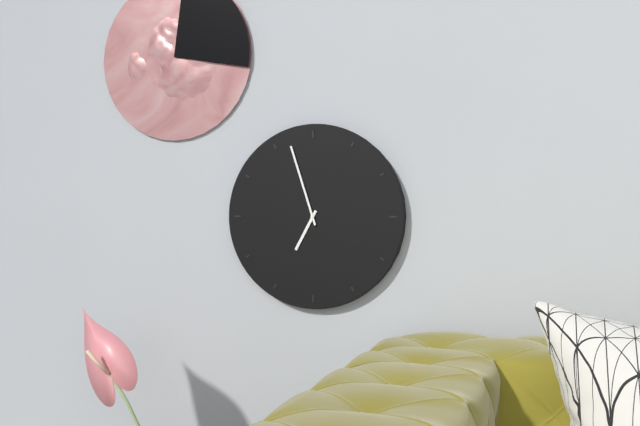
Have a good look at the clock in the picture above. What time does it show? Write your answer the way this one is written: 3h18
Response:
6h57
